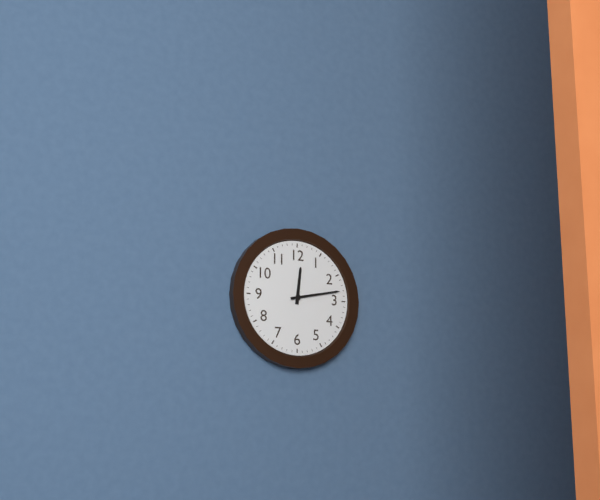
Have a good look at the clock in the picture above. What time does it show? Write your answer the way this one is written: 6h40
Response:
12h13
